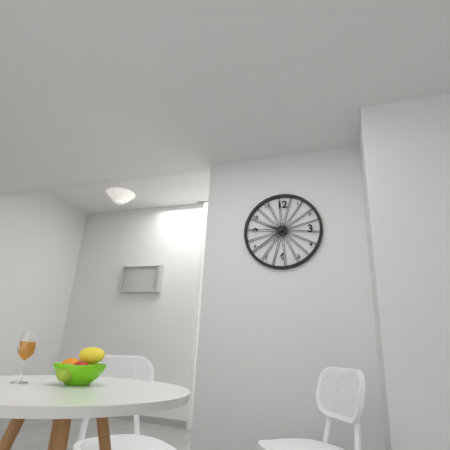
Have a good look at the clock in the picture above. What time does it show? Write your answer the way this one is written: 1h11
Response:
9h39
